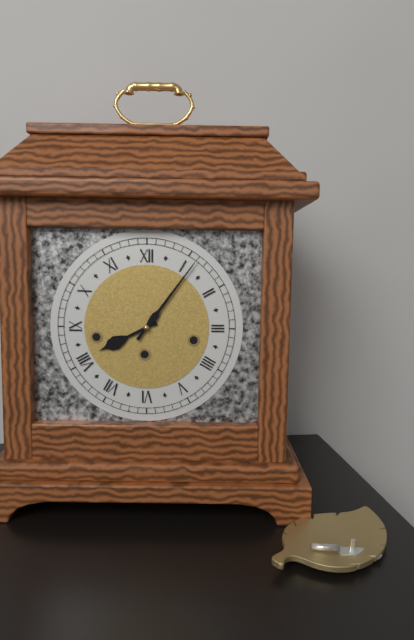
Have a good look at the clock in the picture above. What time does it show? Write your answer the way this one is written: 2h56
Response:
8h06
